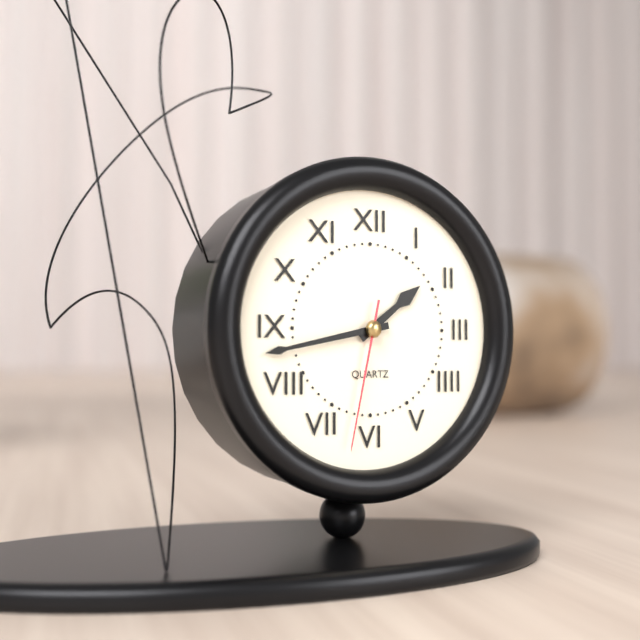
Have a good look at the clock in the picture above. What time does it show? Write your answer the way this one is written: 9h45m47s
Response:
1h43m32s
